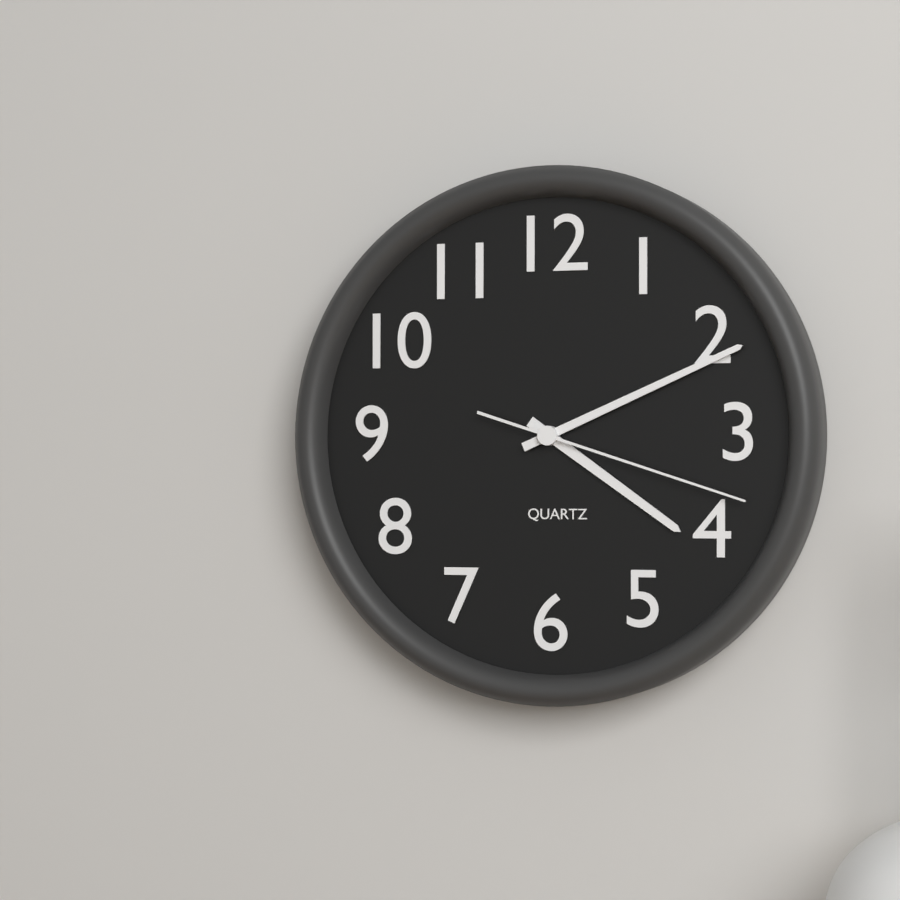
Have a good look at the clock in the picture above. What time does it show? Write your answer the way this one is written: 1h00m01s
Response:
4h11m18s
